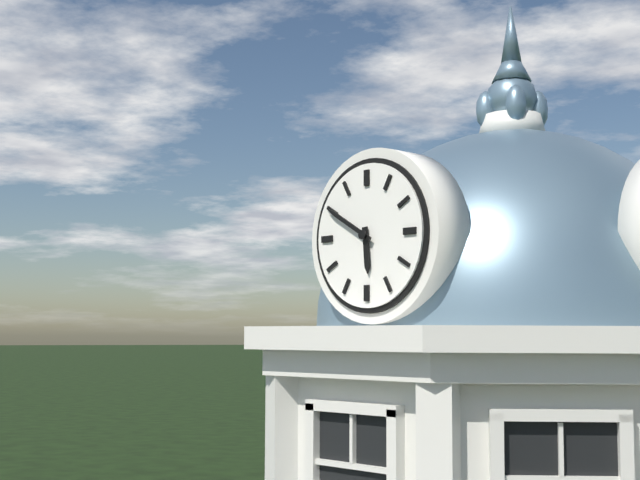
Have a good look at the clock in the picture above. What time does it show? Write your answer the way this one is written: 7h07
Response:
5h50
